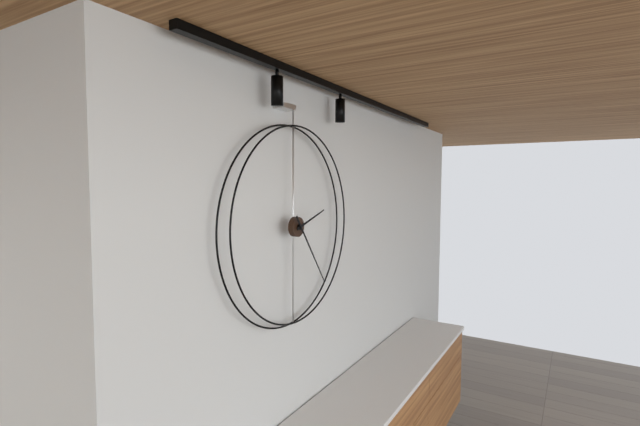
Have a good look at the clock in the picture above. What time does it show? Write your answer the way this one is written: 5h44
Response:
2h24
